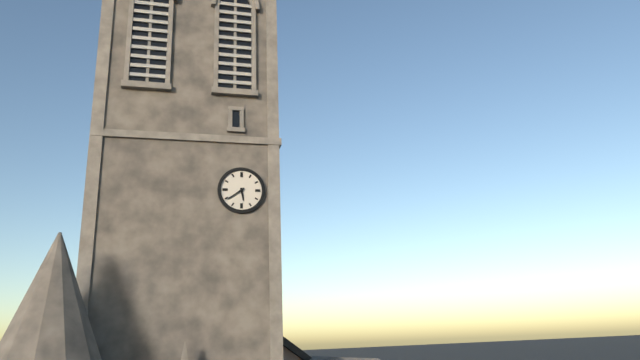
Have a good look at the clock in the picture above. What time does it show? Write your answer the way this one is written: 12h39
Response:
5h39
